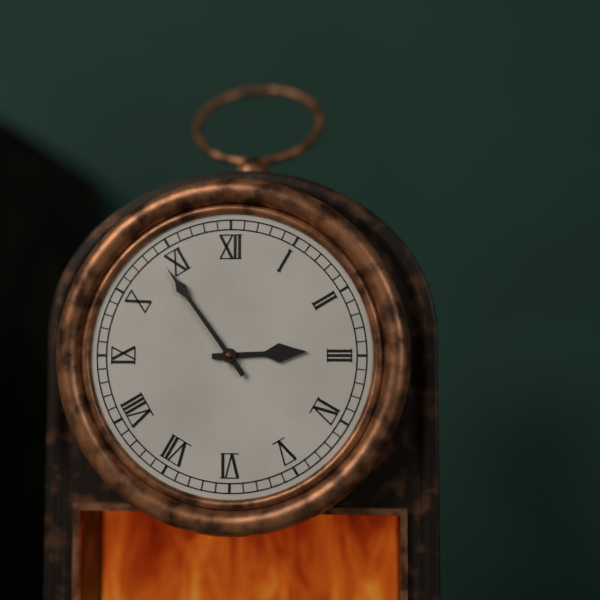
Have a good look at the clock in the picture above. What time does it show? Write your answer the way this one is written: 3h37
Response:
2h54
